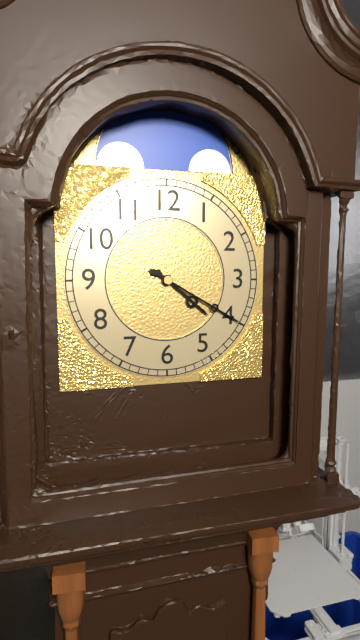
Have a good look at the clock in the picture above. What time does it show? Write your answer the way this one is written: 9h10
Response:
4h20
